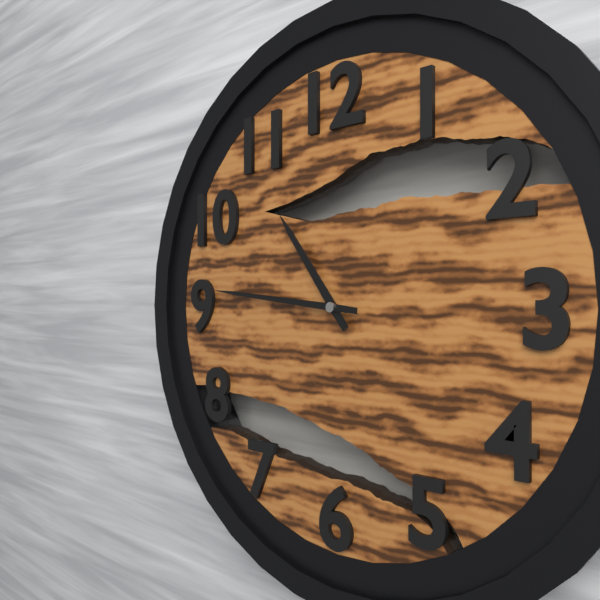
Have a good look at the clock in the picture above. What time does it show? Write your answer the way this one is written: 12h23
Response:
10h46
